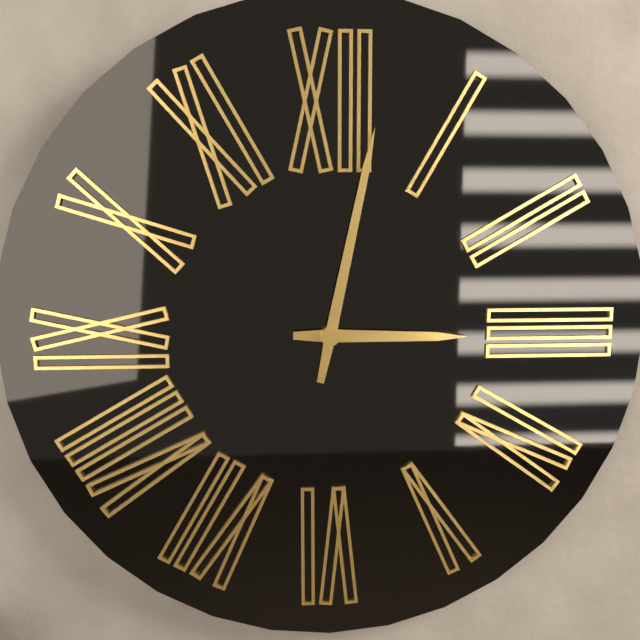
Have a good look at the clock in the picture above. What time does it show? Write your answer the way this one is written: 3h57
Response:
3h02
